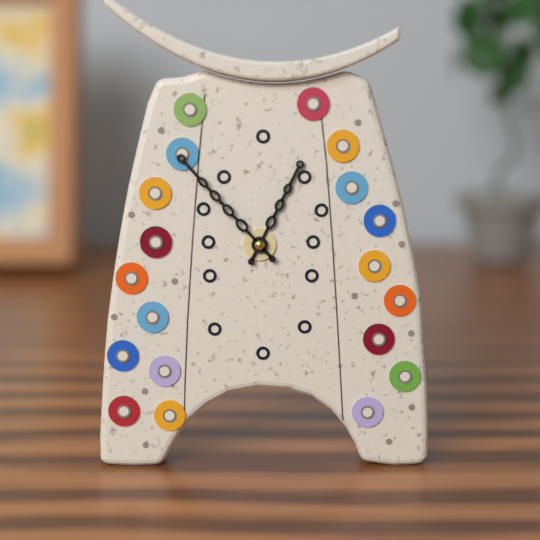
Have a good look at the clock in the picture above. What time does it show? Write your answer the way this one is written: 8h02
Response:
12h53
